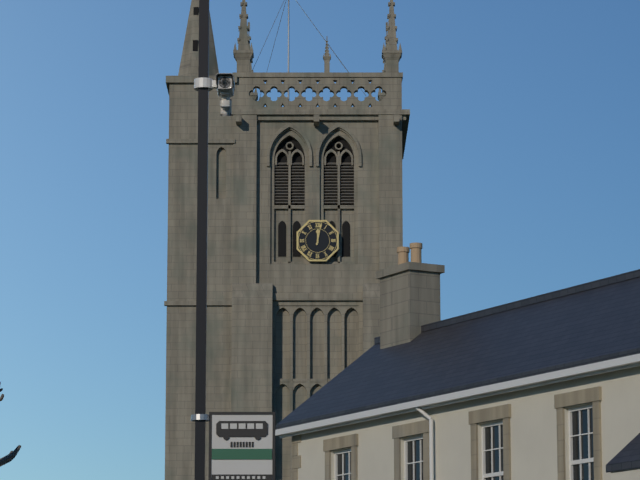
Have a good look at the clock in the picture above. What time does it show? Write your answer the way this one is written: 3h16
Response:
12h02
